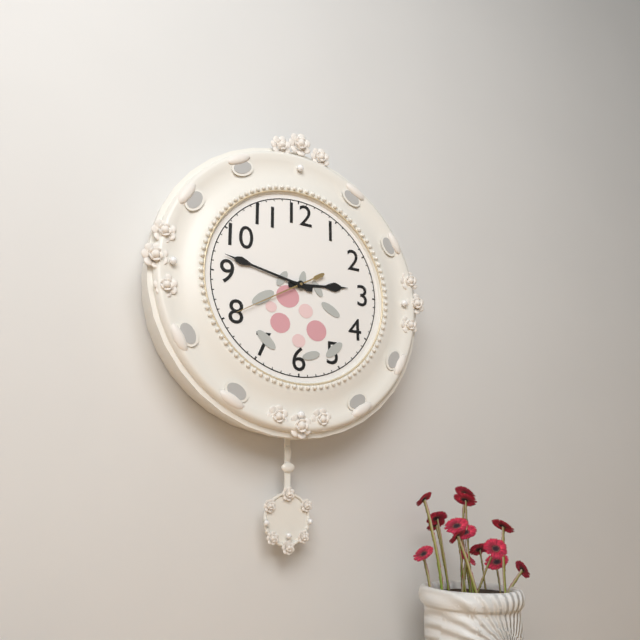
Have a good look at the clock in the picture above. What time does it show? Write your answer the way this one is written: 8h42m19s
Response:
2h47m40s
